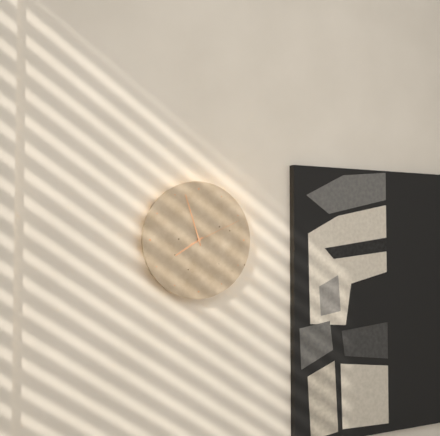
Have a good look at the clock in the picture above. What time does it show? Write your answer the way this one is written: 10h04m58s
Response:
7h57m11s
